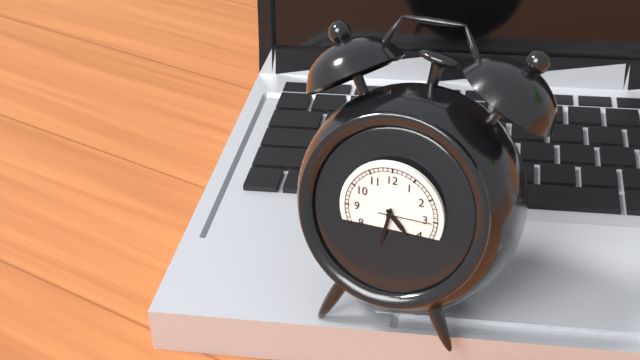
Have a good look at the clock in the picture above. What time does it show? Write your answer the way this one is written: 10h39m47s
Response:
4h32m15s
